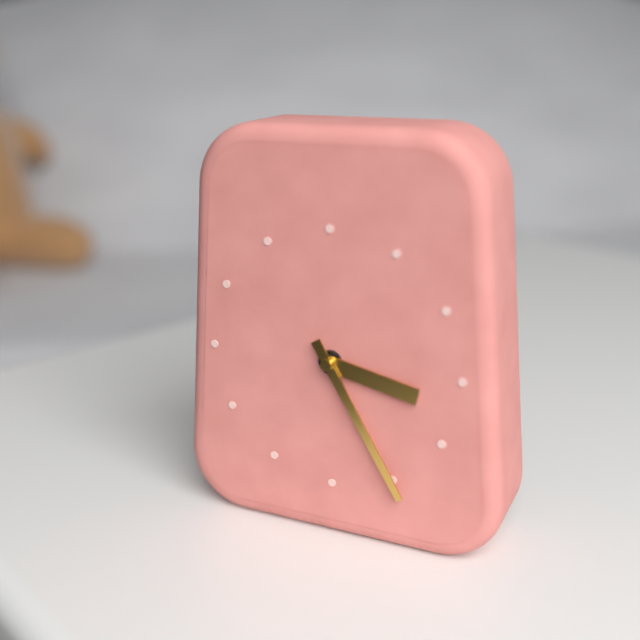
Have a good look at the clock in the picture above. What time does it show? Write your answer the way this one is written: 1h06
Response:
3h25
